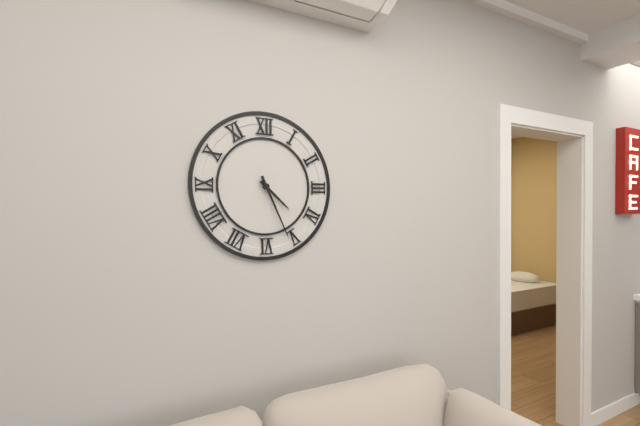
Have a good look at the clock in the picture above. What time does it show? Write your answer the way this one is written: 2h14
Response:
4h26
